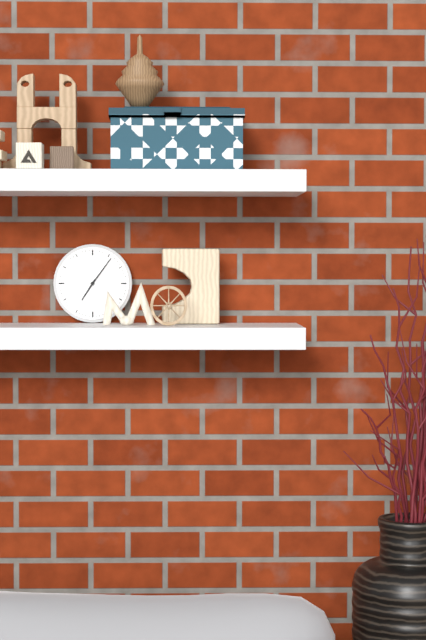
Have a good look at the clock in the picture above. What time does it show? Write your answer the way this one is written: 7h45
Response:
7h06
